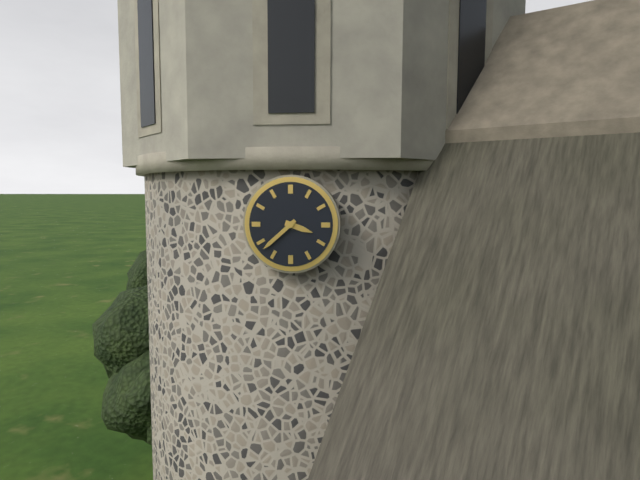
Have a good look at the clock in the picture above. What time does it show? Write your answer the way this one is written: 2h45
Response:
3h38
